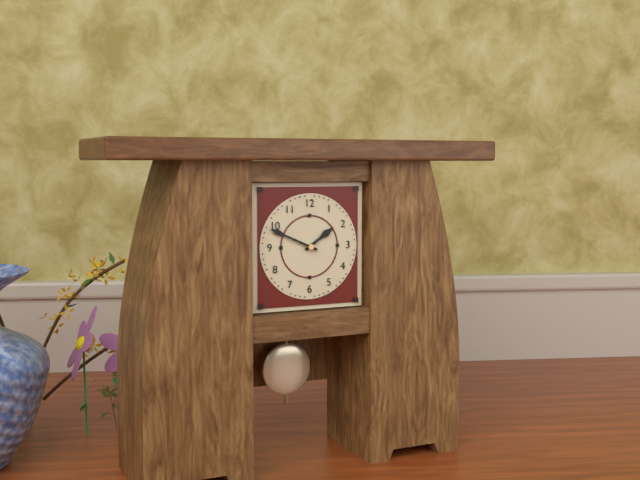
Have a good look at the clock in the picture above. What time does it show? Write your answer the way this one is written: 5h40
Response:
1h49
